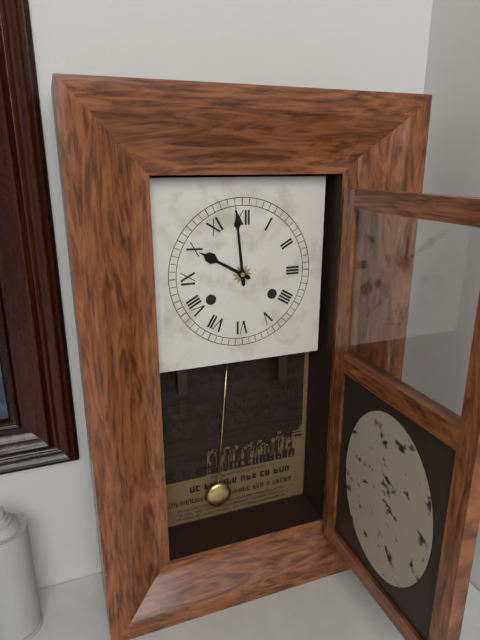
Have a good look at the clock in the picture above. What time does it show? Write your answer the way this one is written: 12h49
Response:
9h59
